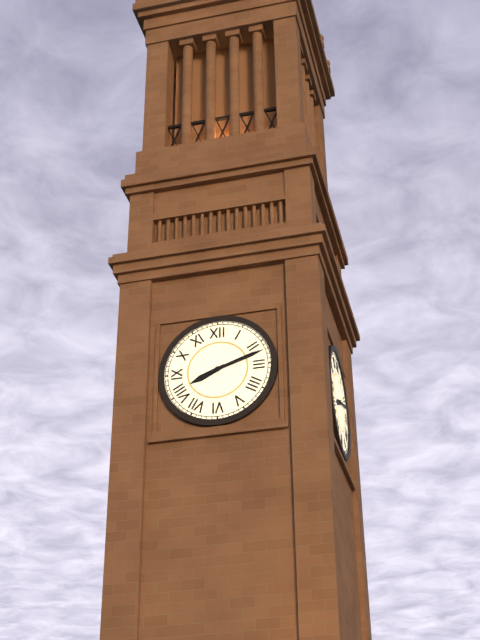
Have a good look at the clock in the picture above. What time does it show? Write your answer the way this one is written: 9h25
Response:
8h12
